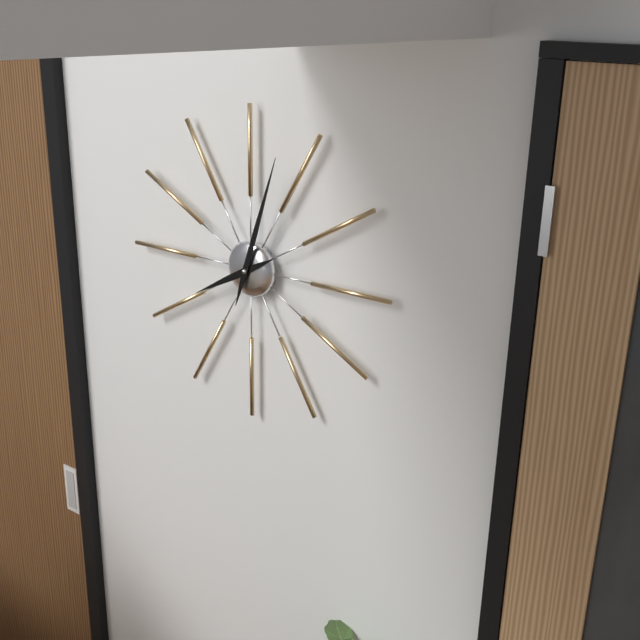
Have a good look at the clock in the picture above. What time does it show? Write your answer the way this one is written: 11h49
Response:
8h03
